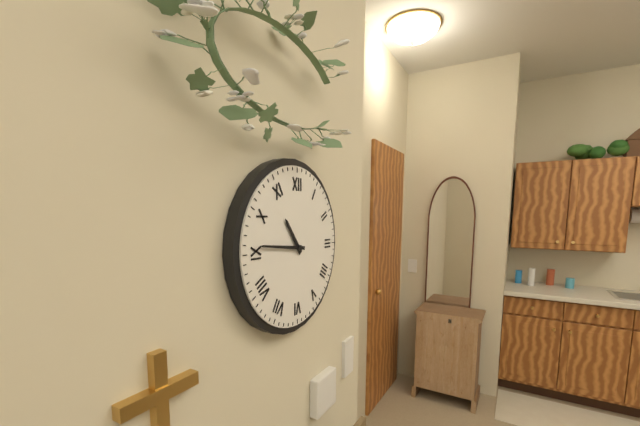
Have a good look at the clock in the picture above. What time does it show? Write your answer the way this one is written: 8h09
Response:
10h46
